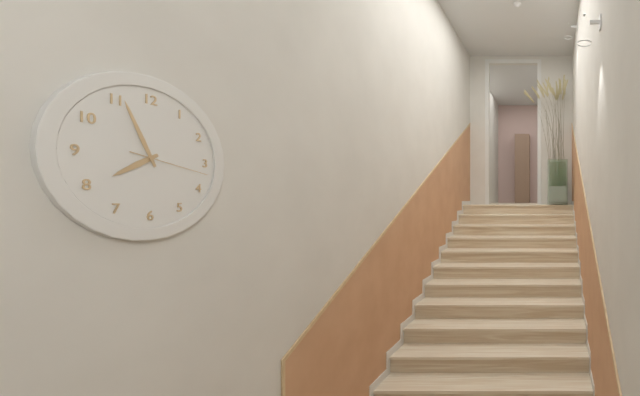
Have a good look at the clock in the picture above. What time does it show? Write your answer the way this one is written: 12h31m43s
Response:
7h56m17s
